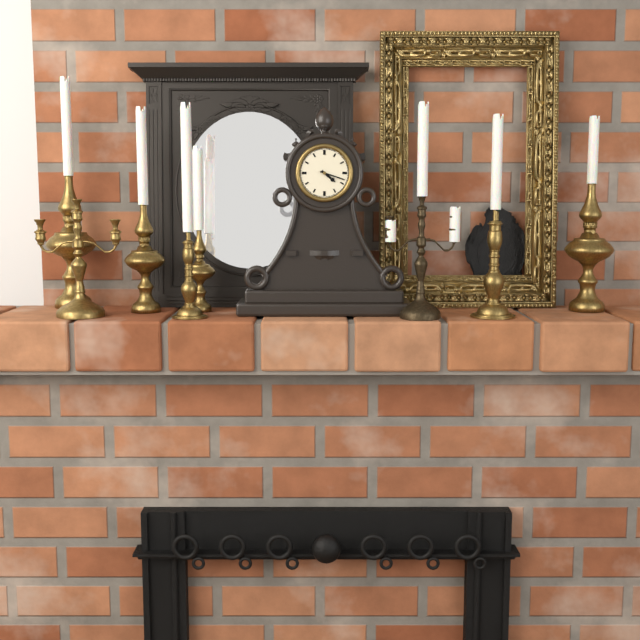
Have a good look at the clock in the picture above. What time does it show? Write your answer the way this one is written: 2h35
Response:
4h18
